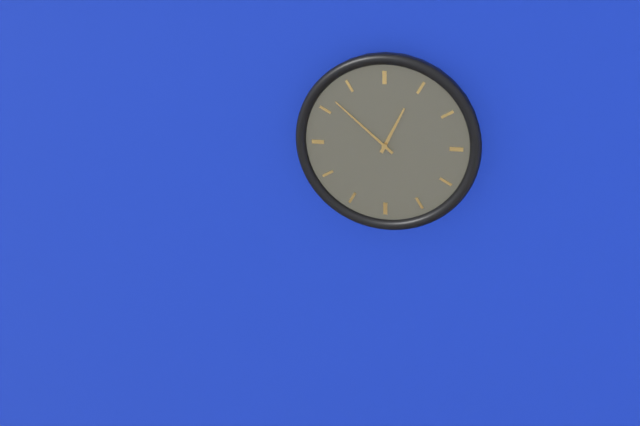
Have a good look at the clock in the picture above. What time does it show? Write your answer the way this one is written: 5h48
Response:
12h52
